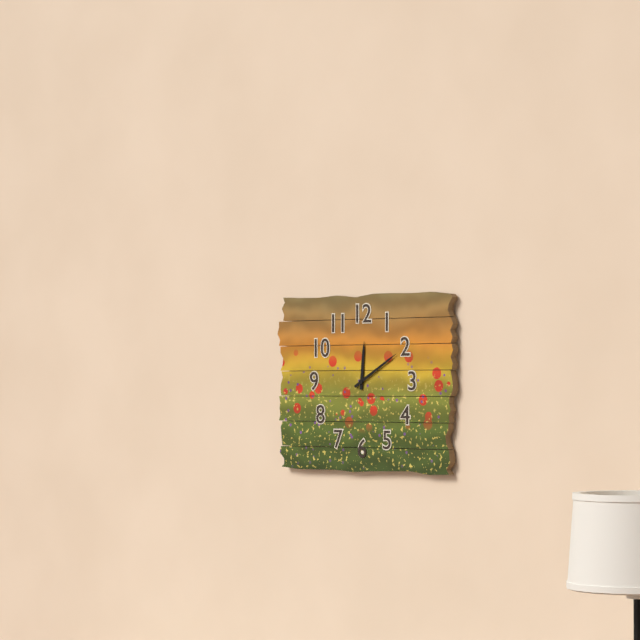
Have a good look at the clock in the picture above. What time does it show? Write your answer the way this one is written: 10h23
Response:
12h10
